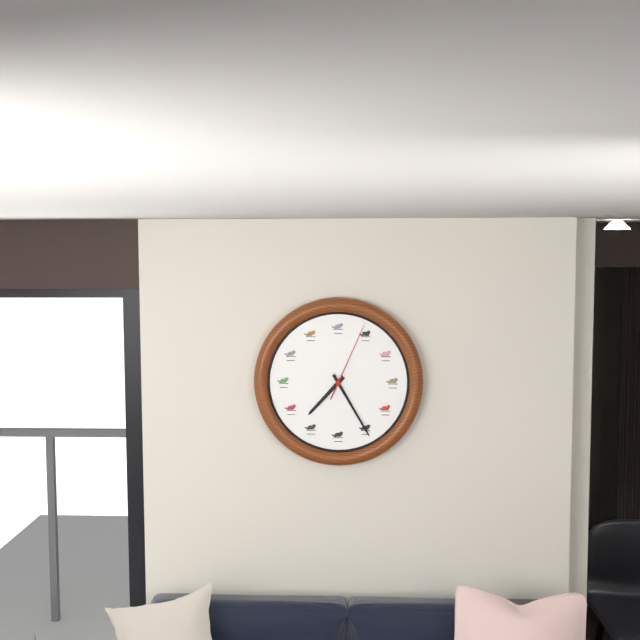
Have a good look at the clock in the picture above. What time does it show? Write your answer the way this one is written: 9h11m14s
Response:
7h25m04s
